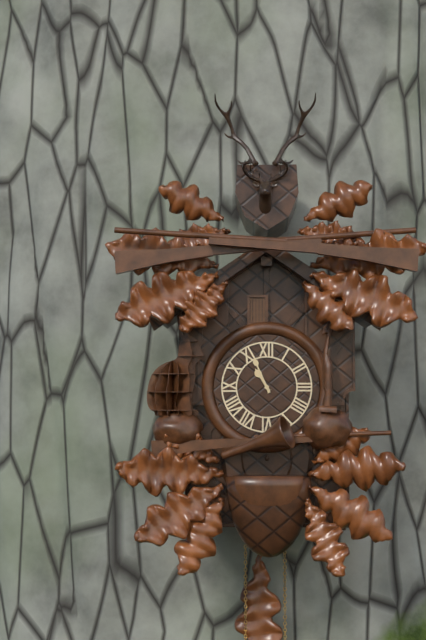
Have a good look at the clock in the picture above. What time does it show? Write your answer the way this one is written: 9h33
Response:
10h56
